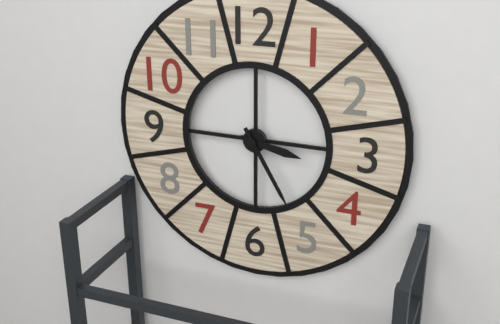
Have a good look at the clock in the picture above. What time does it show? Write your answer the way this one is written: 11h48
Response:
3h25
